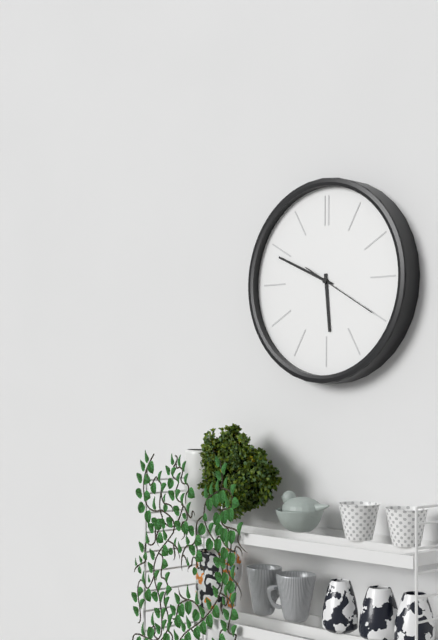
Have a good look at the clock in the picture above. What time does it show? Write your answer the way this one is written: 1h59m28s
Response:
5h49m20s
